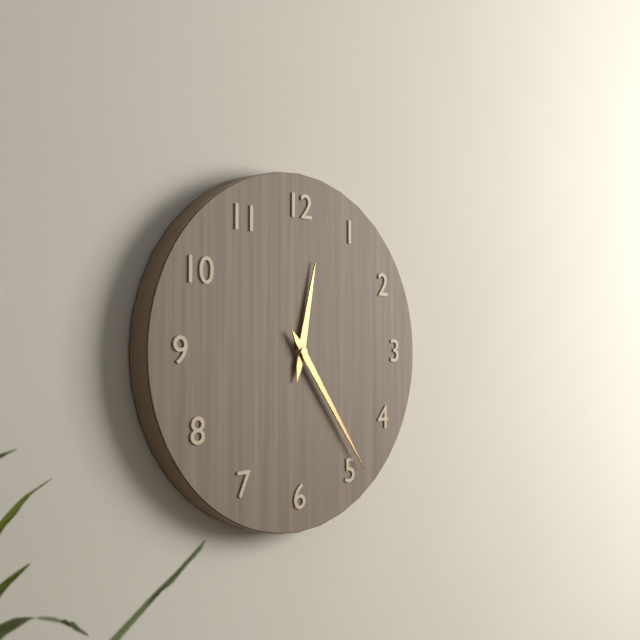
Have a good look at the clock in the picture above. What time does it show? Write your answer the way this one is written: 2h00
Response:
12h24
